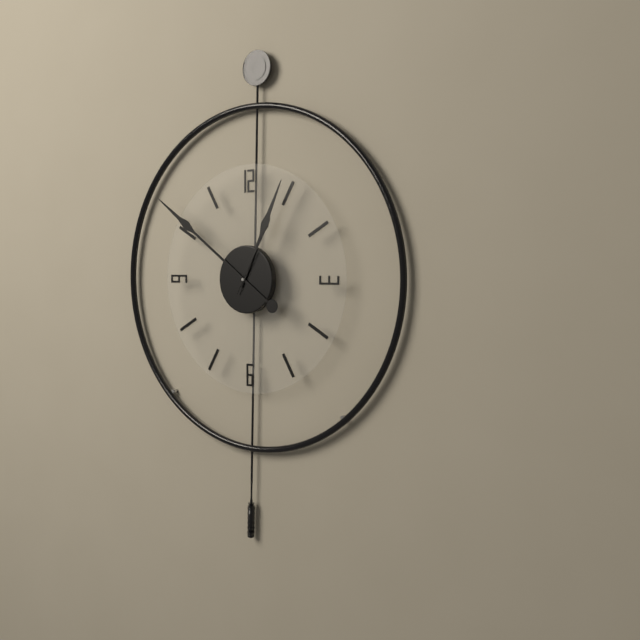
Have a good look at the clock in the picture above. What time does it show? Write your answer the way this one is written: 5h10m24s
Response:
12h51m05s
